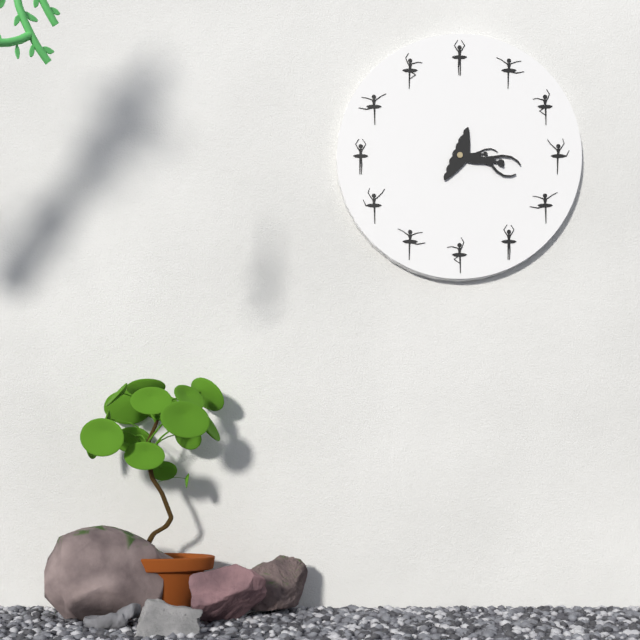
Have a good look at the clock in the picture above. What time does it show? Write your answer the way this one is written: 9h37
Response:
3h19
